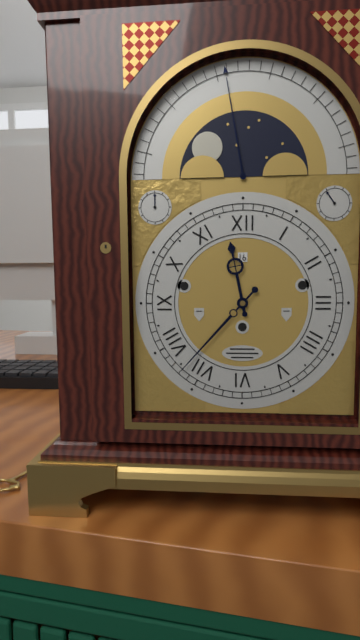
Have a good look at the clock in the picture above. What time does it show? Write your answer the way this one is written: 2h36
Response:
11h37
